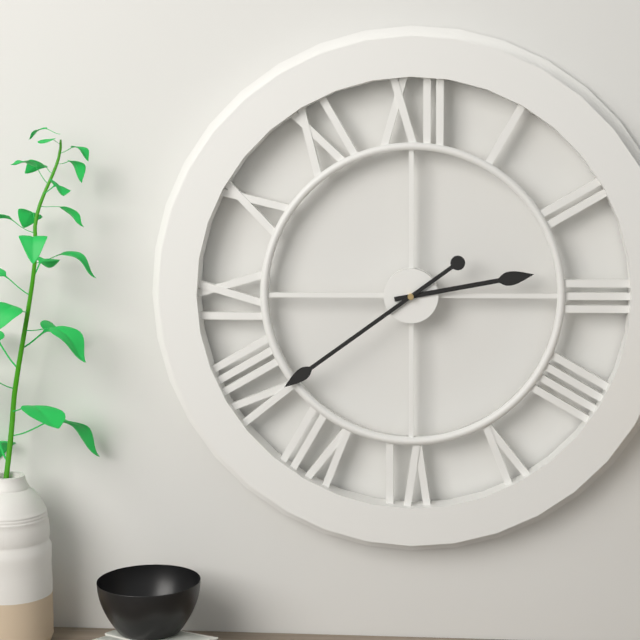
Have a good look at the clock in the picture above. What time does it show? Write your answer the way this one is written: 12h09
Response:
2h39
